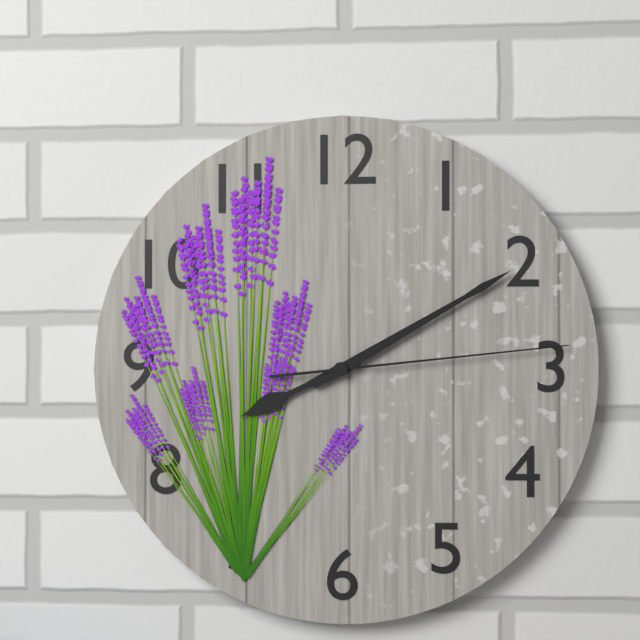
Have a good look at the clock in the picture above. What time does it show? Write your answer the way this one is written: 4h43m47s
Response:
8h10m14s
